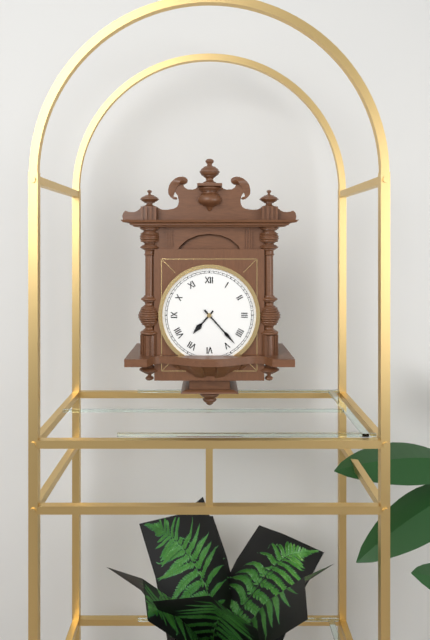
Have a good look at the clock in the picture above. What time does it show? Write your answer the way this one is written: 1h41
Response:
7h23
